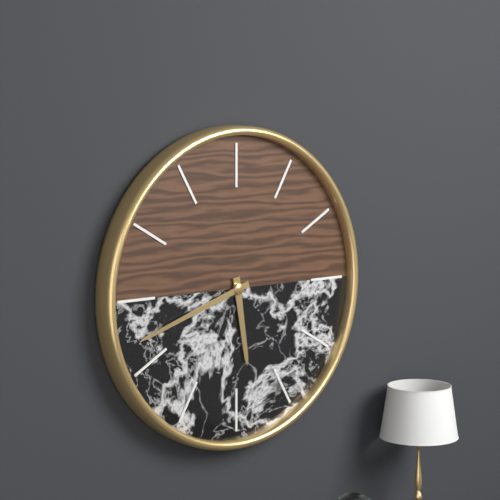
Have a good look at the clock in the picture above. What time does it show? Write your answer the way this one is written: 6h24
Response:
5h42
